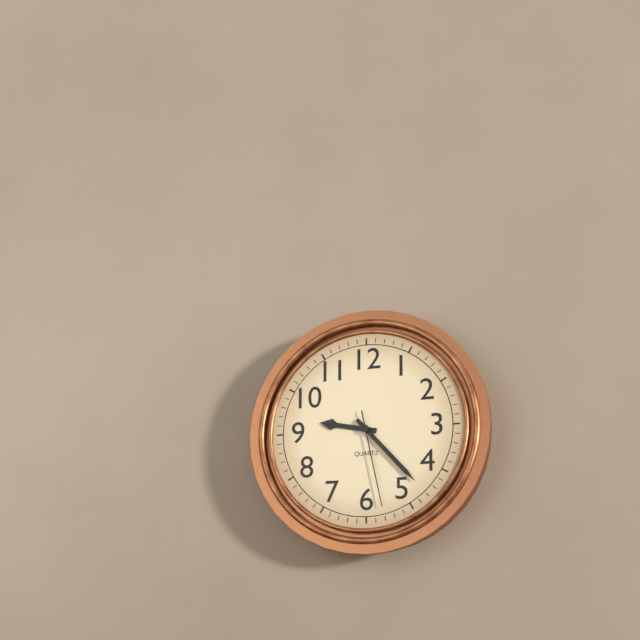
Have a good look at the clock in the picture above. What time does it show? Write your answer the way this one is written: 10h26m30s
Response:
9h23m28s
